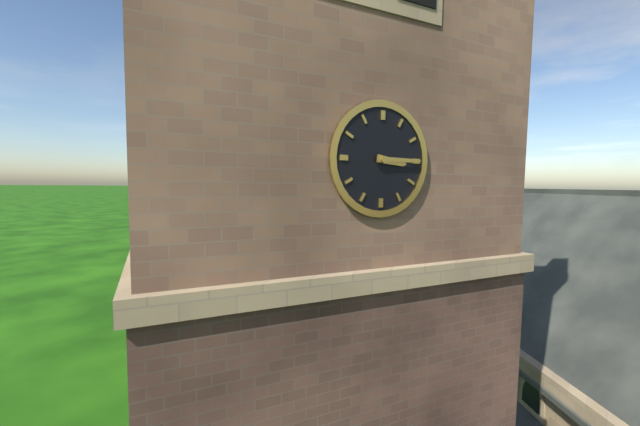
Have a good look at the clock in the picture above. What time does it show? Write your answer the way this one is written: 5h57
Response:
3h15
